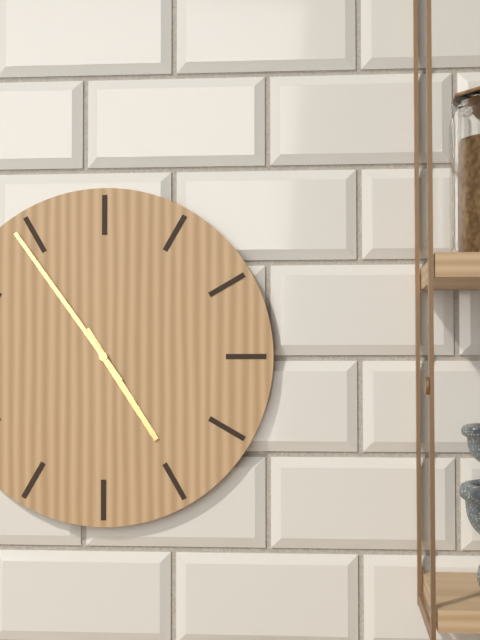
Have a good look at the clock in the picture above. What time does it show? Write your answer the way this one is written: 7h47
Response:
4h54
